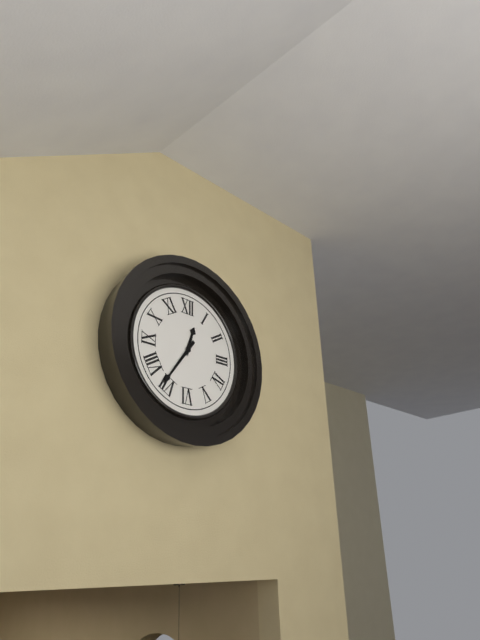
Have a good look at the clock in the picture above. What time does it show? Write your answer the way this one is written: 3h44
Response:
12h36
